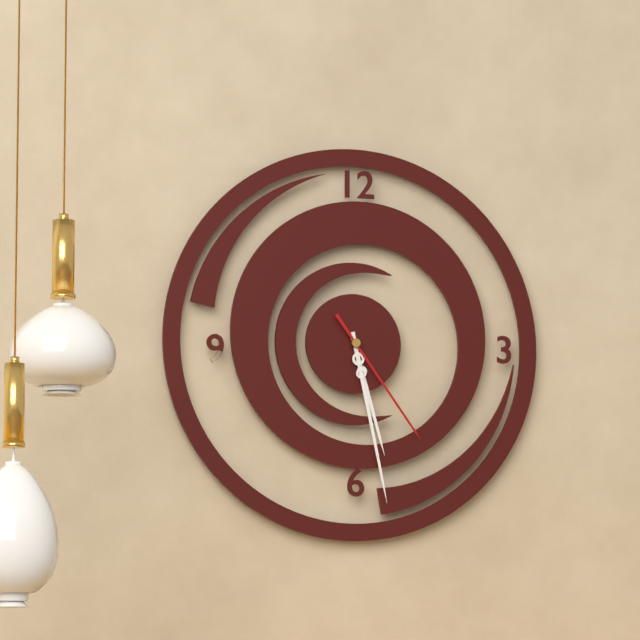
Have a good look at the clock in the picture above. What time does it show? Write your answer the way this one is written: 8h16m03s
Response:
5h28m24s
